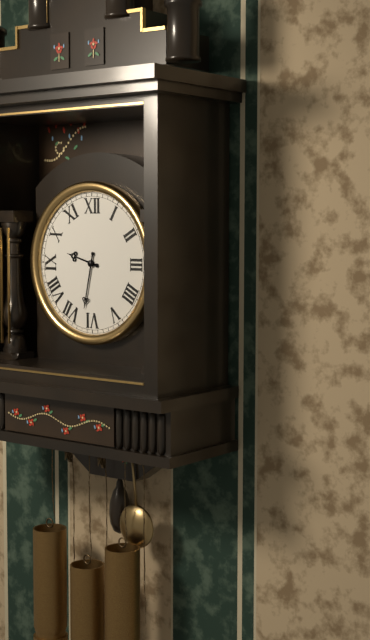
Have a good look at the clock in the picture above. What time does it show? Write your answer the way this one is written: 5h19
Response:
9h32
